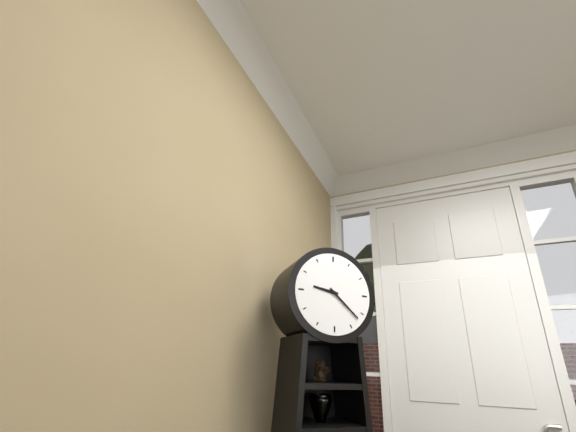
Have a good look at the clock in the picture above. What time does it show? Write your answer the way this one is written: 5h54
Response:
9h22
